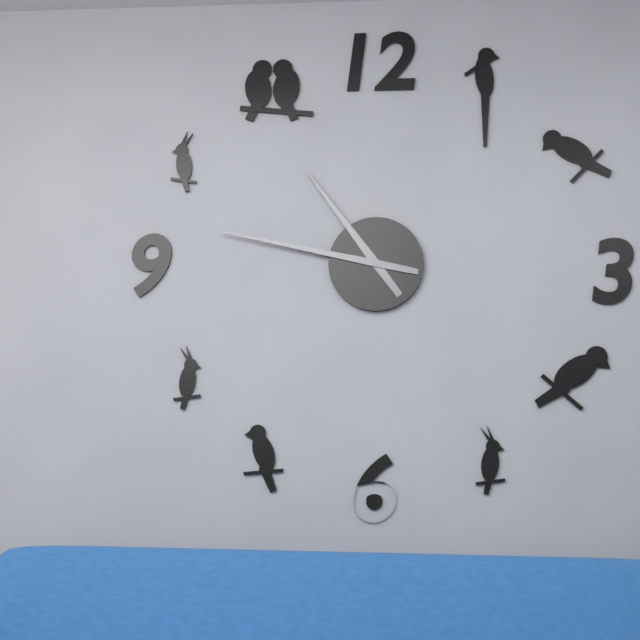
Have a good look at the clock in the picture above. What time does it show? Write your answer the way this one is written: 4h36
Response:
10h47
